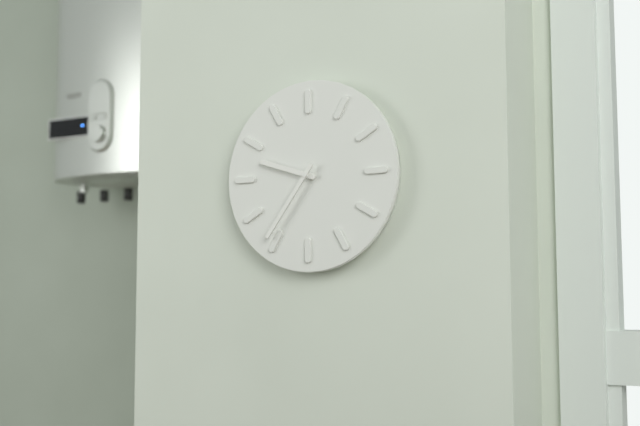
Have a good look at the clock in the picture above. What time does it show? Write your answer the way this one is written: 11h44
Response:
9h36
